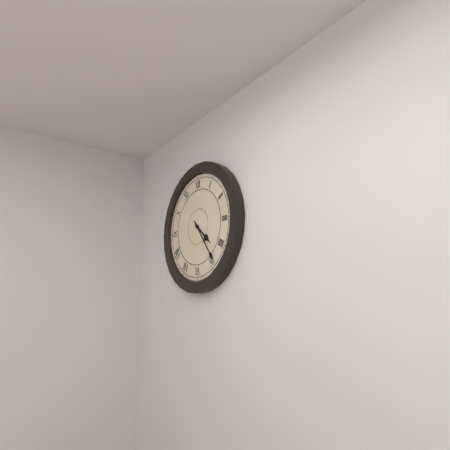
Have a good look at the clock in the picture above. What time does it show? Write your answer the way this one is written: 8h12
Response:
4h24
